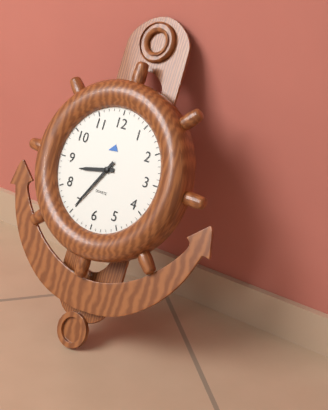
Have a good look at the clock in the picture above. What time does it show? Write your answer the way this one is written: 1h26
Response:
8h35
